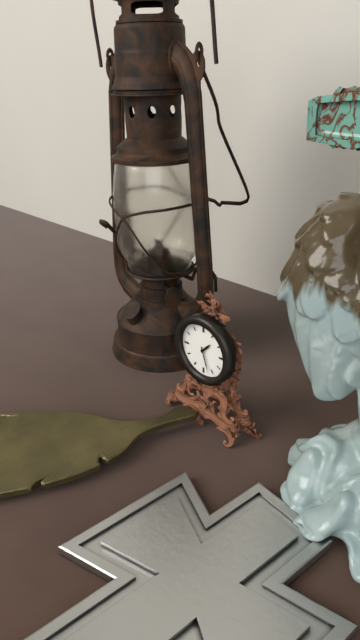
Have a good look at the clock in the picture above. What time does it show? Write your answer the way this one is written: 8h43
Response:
1h27
